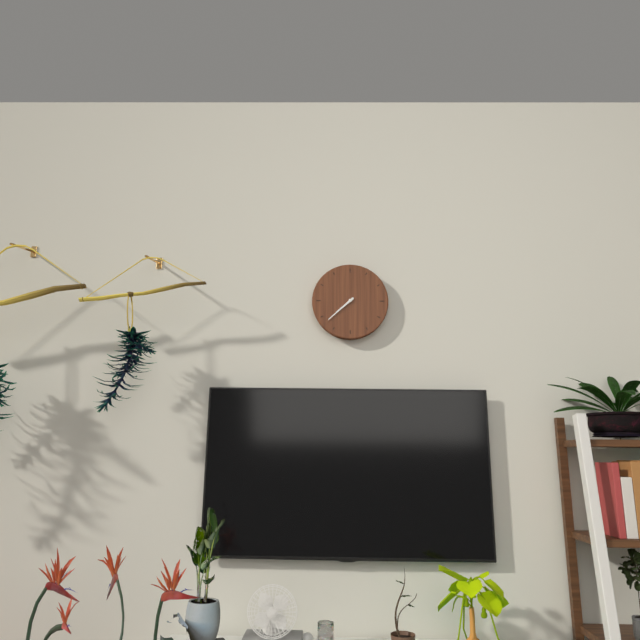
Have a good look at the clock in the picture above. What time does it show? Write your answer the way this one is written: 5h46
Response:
7h38
